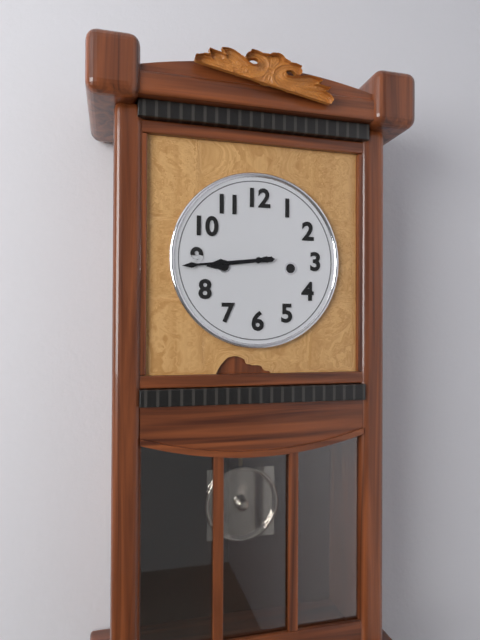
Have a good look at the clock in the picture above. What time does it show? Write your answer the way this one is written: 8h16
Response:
8h44
